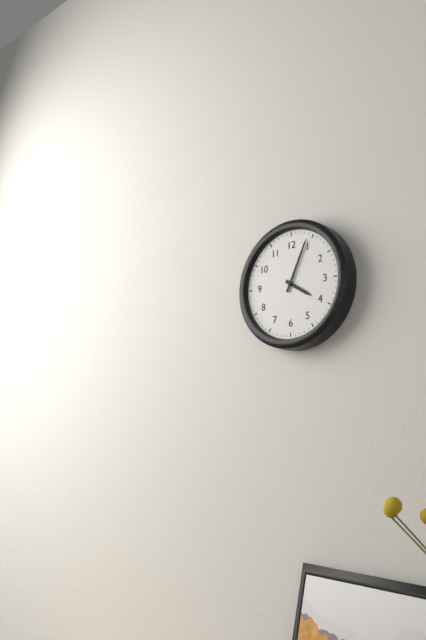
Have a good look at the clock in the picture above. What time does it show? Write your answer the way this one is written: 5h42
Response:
4h04
